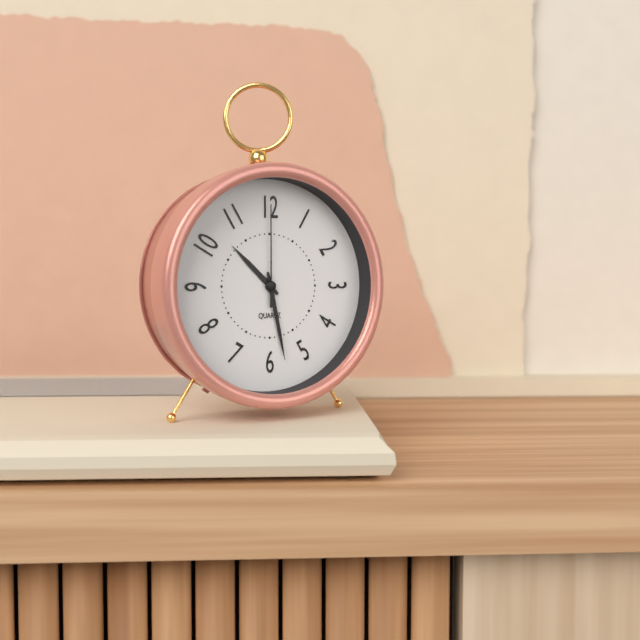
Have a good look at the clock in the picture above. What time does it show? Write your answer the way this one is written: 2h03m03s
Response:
10h28m00s
